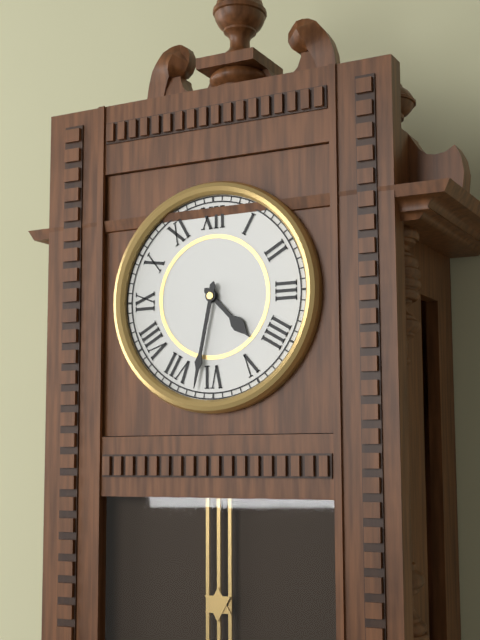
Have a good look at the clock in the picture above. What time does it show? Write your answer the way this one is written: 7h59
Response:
4h32
